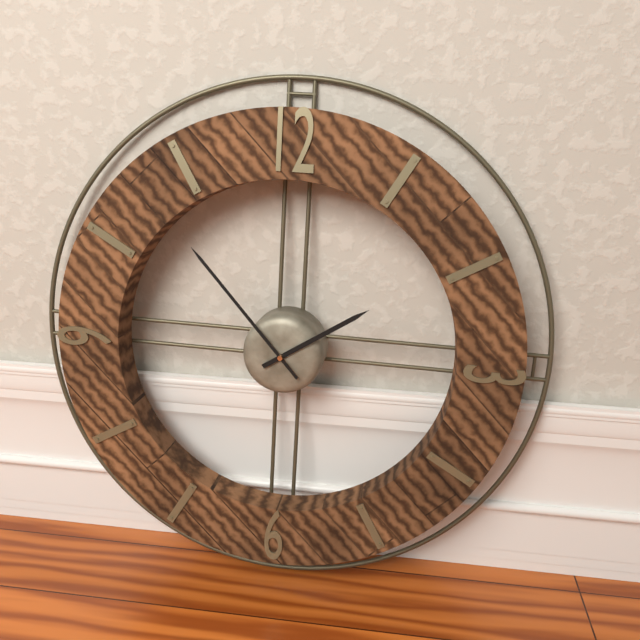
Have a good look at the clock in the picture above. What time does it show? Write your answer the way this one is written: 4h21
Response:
1h53
